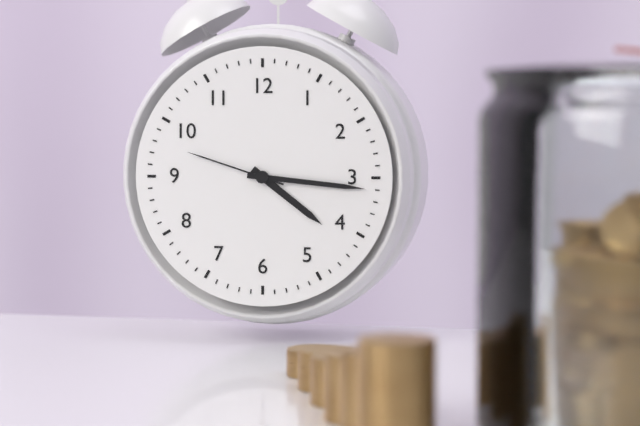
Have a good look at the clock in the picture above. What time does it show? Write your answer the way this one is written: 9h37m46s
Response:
4h16m48s
